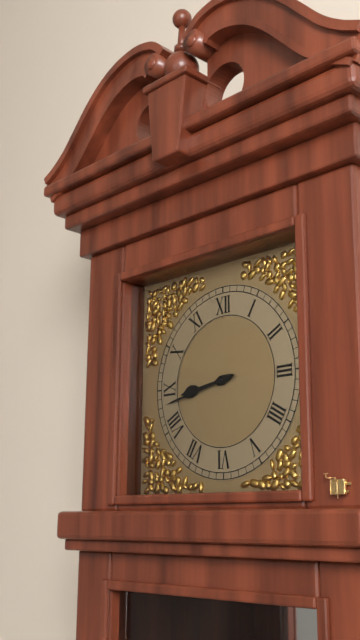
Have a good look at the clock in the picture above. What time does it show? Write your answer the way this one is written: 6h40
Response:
8h43
